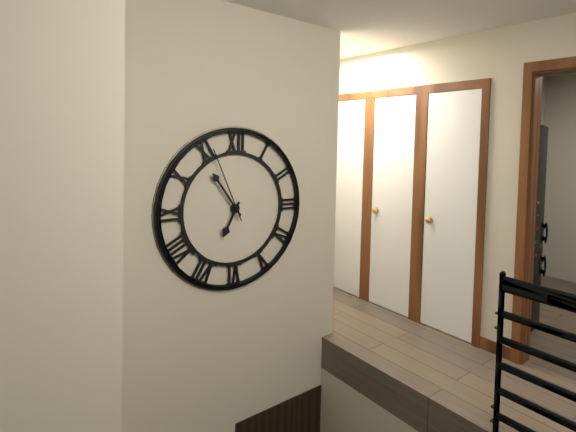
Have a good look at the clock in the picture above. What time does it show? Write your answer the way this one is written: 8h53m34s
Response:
6h54m56s
